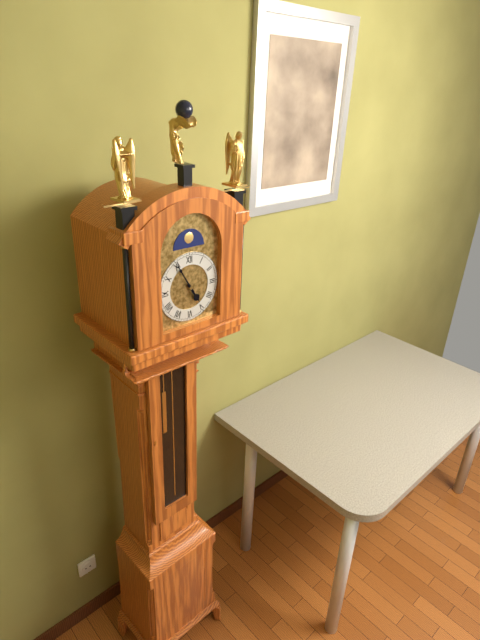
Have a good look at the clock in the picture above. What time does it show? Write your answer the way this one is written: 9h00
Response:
4h55
